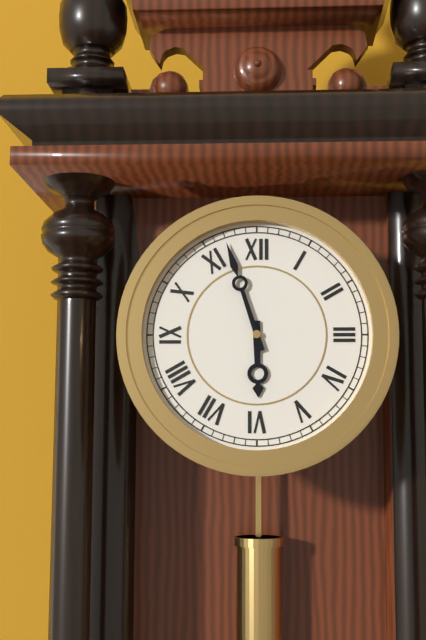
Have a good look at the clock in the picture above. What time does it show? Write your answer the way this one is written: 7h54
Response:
5h57
